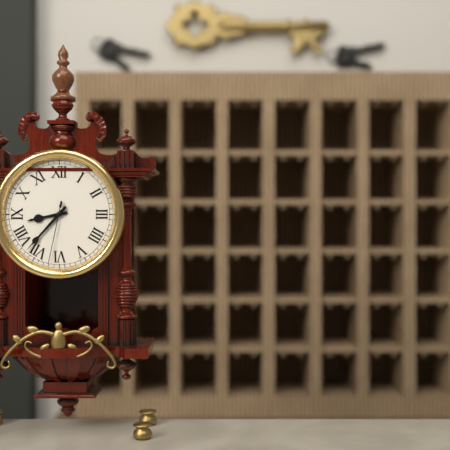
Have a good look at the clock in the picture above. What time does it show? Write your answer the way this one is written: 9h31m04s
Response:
8h37m32s
